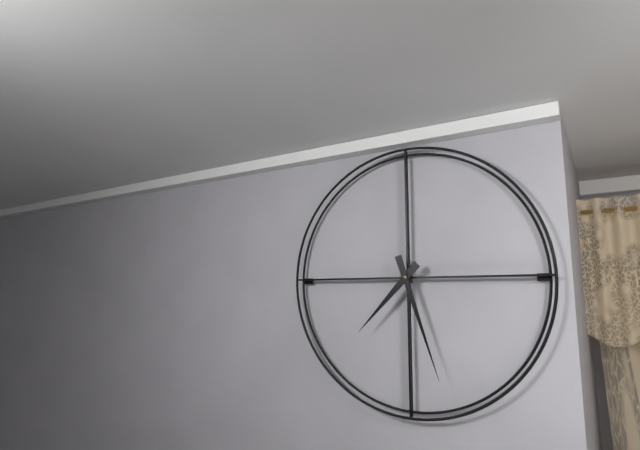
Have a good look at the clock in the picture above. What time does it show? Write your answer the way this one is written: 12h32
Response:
7h27
